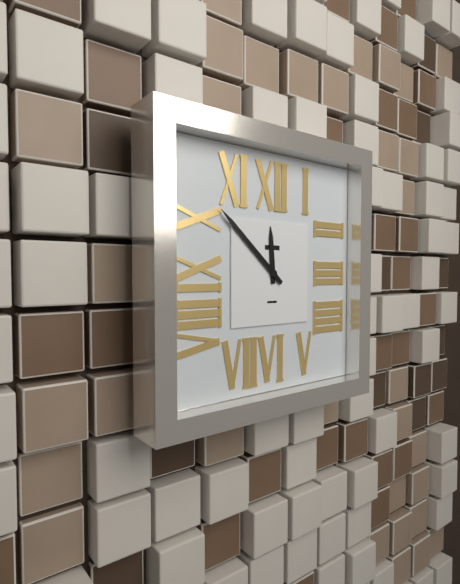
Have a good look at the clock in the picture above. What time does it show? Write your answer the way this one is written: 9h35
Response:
11h52
